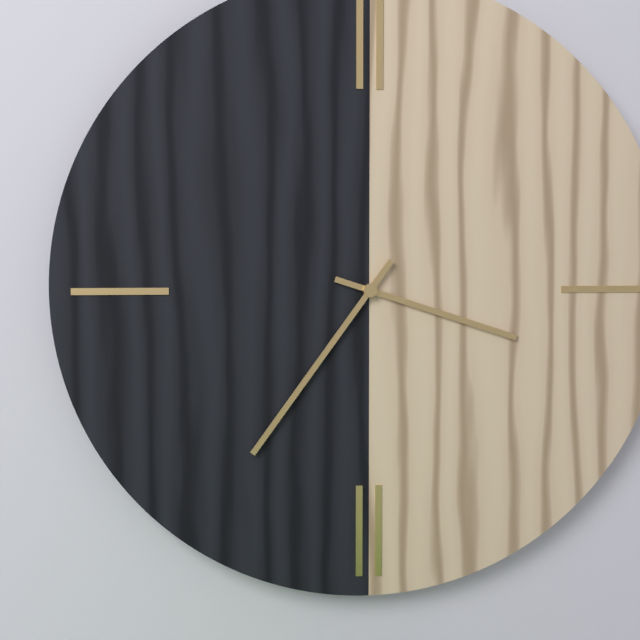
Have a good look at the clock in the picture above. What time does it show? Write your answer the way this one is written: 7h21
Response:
3h36
